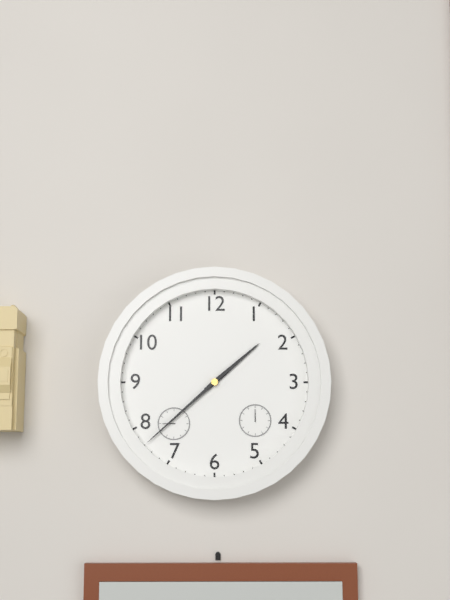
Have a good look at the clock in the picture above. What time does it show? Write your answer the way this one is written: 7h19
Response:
1h38
